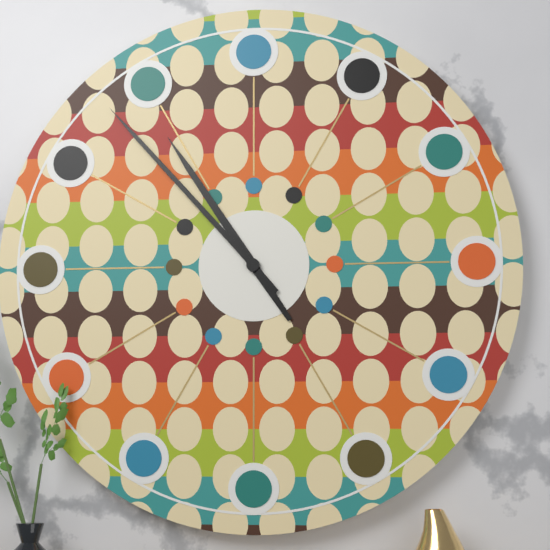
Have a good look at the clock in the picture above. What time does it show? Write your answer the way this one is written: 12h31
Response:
10h53
